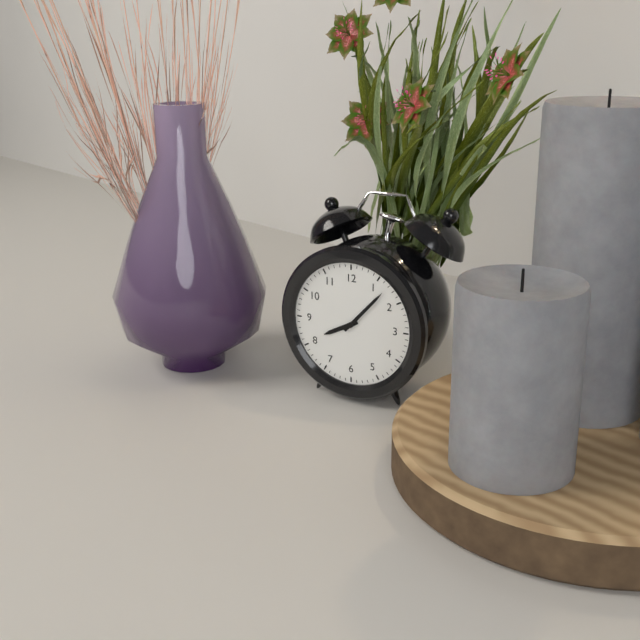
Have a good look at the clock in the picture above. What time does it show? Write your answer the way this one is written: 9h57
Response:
8h07
